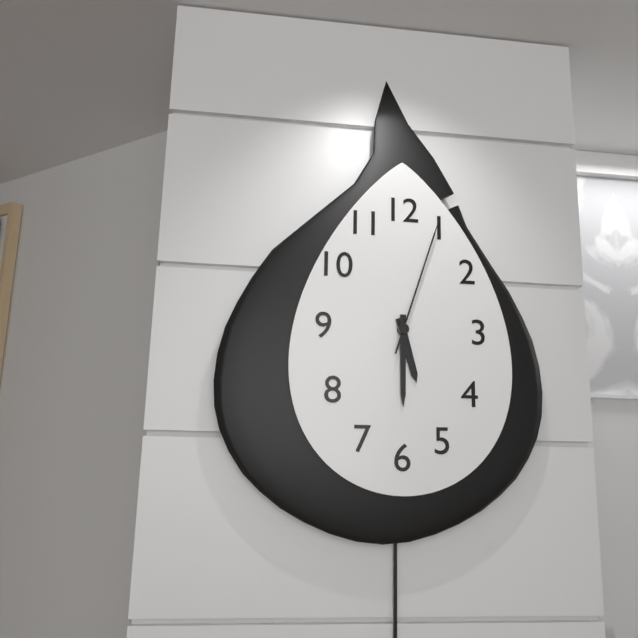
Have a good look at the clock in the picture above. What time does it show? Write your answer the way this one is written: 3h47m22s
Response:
5h30m03s
